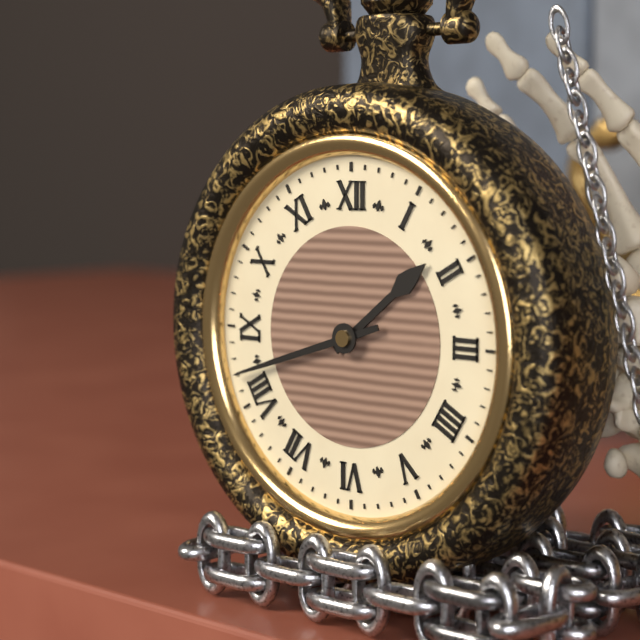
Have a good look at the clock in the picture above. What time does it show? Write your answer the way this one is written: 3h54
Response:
1h42
